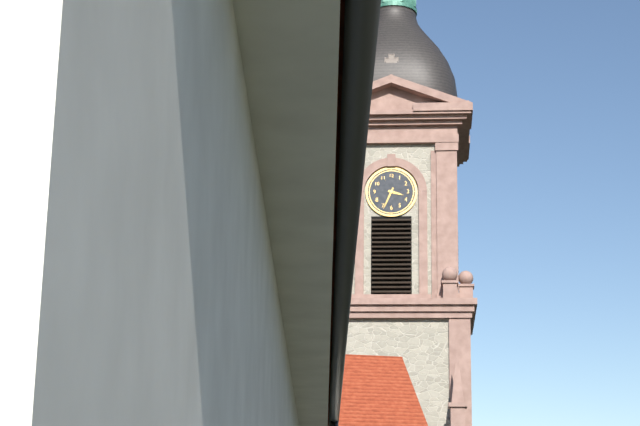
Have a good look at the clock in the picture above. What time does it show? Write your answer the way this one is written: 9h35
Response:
3h34
